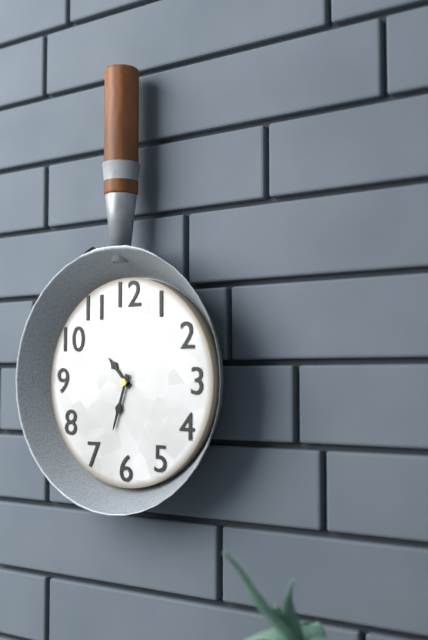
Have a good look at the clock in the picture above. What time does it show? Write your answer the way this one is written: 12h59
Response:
10h33
